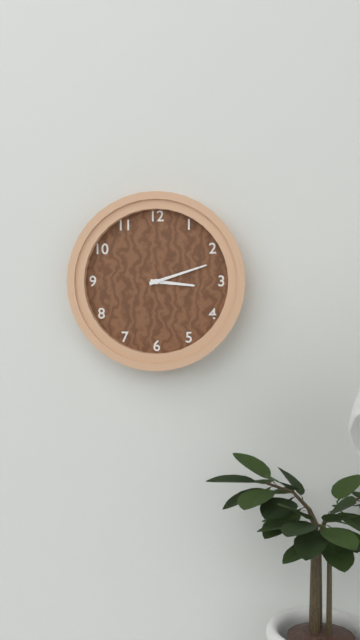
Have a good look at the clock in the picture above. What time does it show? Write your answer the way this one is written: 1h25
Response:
3h12
